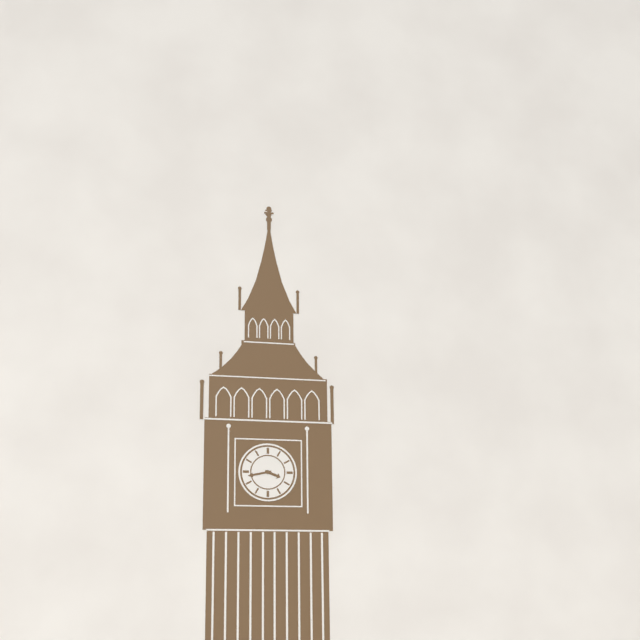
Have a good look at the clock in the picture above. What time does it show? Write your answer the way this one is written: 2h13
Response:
3h43
